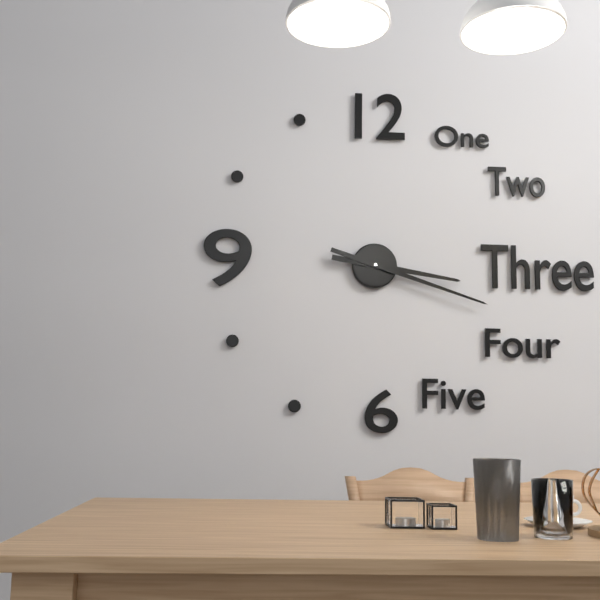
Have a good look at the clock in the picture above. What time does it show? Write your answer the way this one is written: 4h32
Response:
3h18
